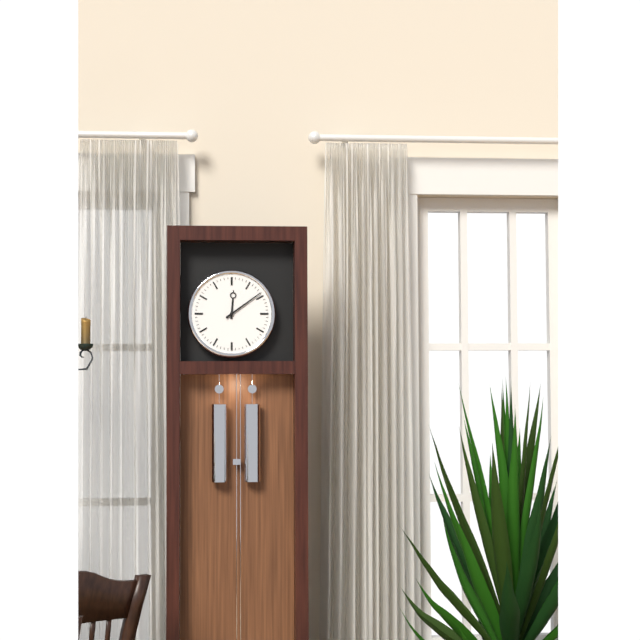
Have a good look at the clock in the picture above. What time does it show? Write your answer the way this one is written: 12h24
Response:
12h09
